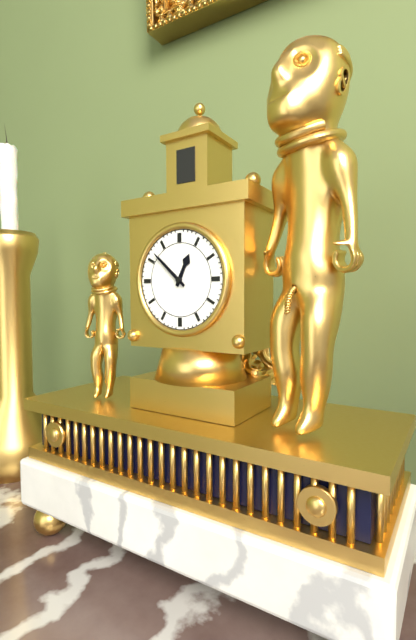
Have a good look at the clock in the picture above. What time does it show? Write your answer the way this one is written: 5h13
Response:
12h52
